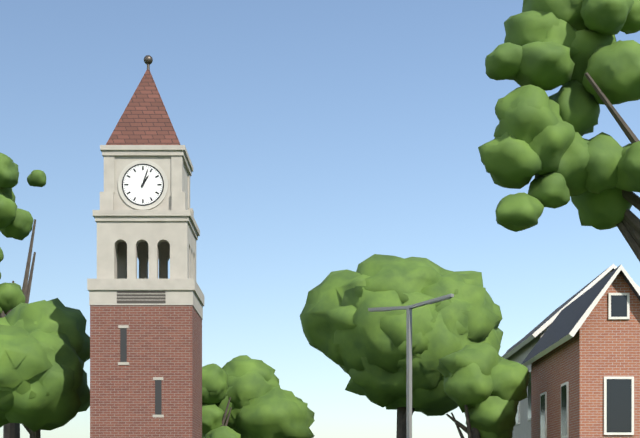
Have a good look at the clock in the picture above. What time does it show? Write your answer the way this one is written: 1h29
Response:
1h03
